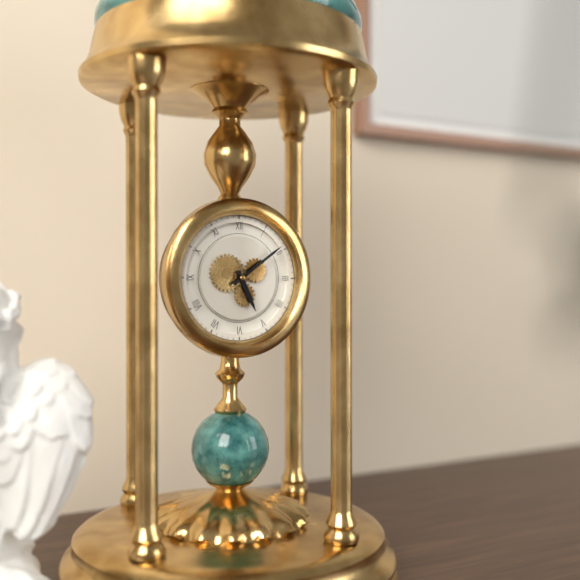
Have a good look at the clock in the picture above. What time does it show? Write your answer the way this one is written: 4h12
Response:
5h09
